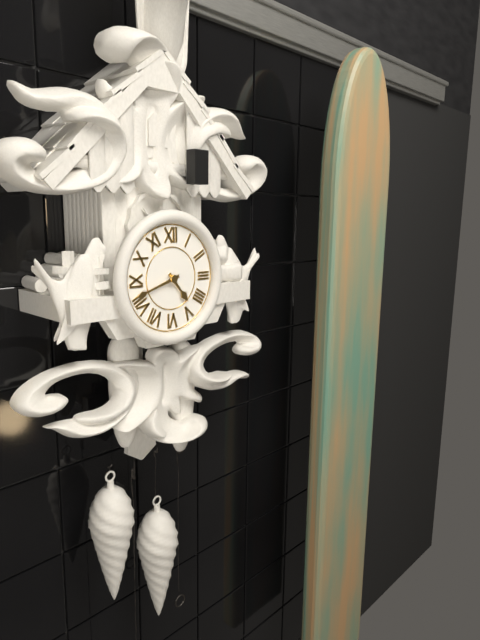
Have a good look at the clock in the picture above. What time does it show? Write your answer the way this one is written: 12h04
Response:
4h42
